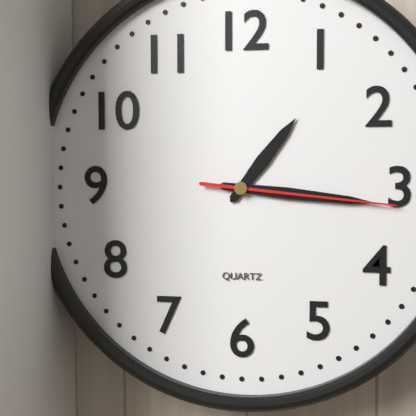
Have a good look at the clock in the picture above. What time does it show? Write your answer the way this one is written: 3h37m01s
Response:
1h16m16s
